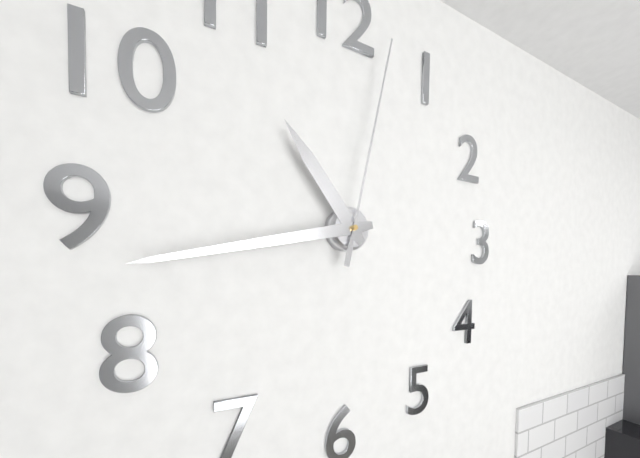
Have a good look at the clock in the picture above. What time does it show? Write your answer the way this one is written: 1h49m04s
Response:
10h43m02s
